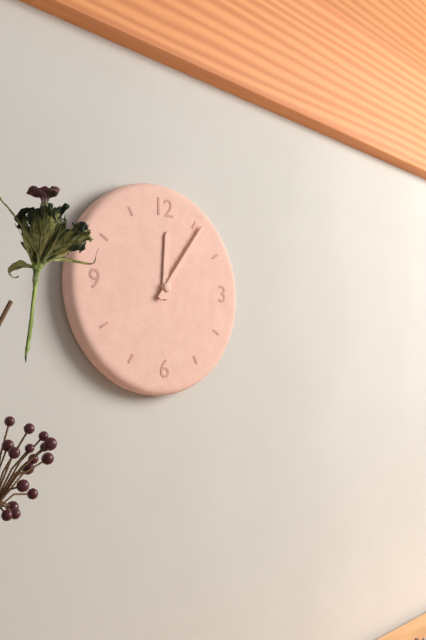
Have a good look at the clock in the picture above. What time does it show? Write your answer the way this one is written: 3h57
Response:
12h06
